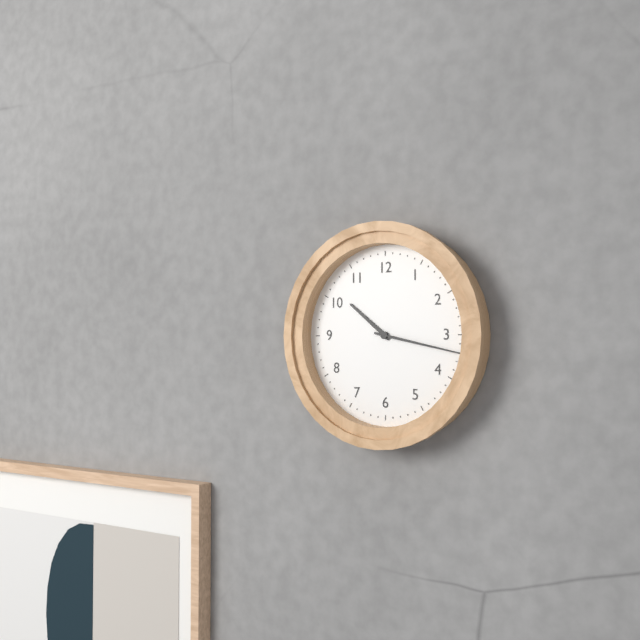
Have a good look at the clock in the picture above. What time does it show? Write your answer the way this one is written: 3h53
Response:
10h17
